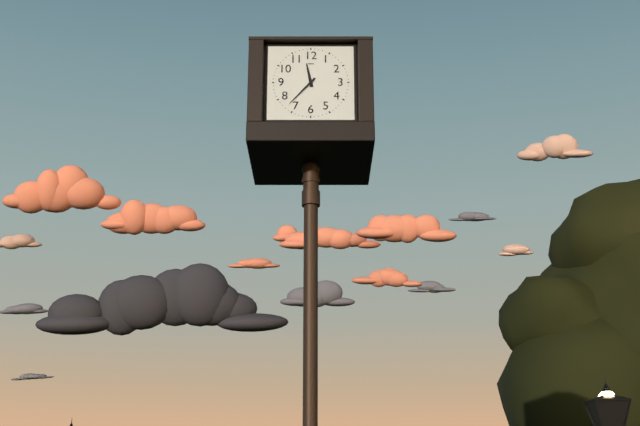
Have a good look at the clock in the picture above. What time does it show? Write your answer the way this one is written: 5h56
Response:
11h37
